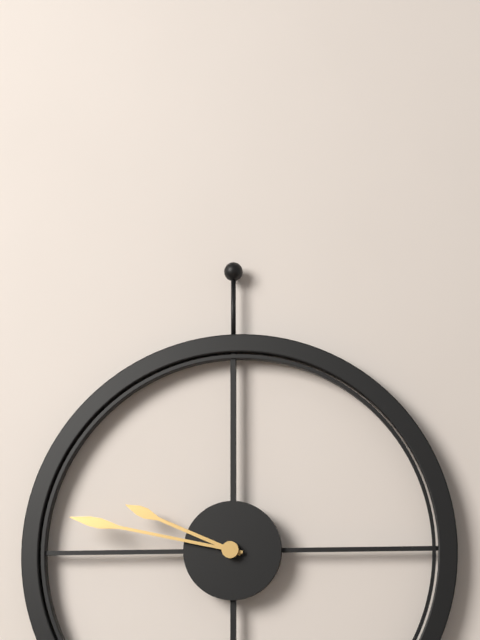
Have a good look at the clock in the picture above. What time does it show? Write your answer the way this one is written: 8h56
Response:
9h47
